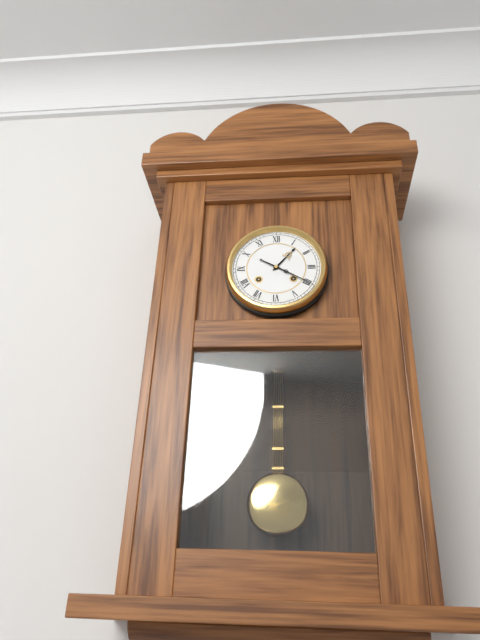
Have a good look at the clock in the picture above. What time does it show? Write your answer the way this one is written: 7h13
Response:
1h20
